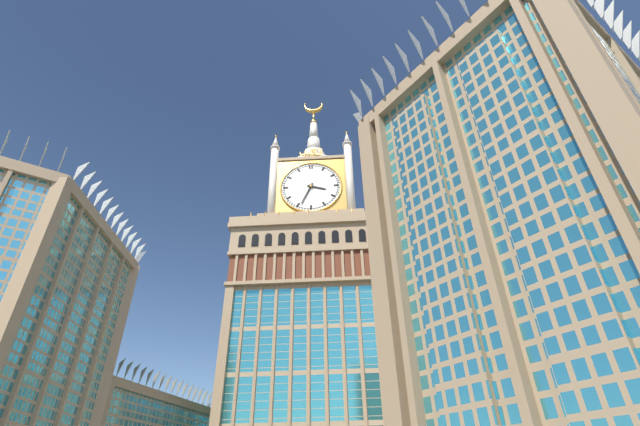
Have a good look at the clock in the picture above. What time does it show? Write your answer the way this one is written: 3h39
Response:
3h34
